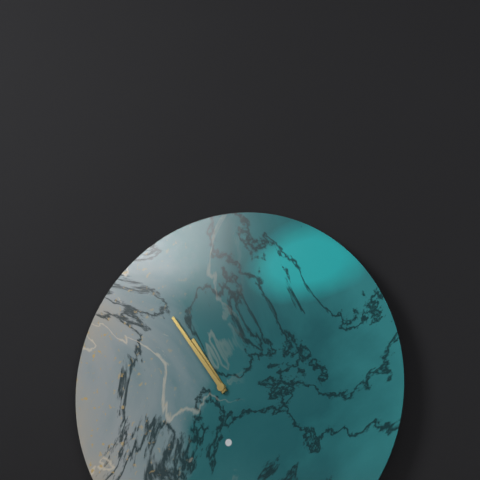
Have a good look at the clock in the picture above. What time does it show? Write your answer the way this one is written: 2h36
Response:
10h54
